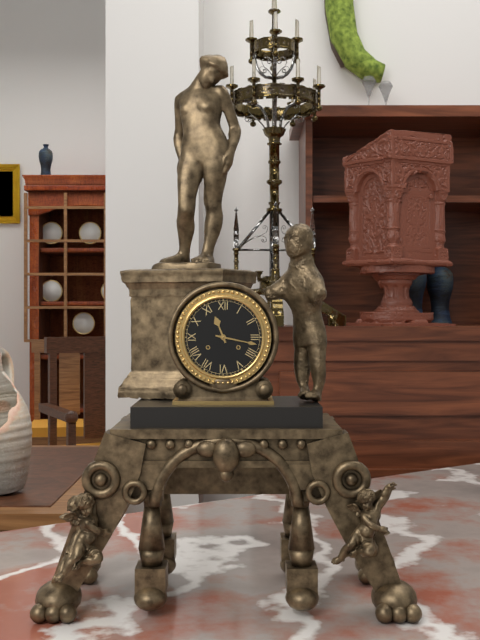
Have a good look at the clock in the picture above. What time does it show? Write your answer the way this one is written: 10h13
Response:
11h17
